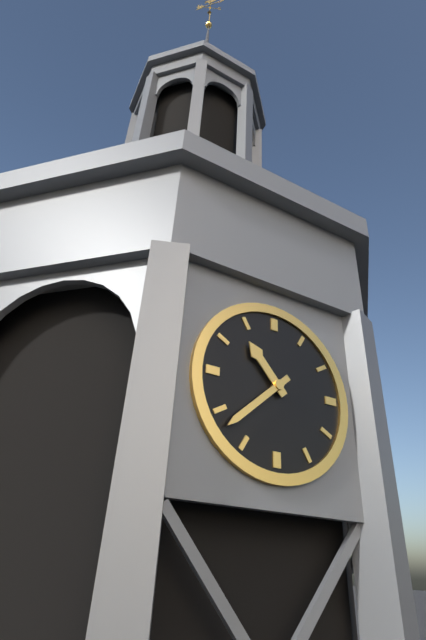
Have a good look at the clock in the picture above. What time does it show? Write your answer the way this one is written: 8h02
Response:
10h38
